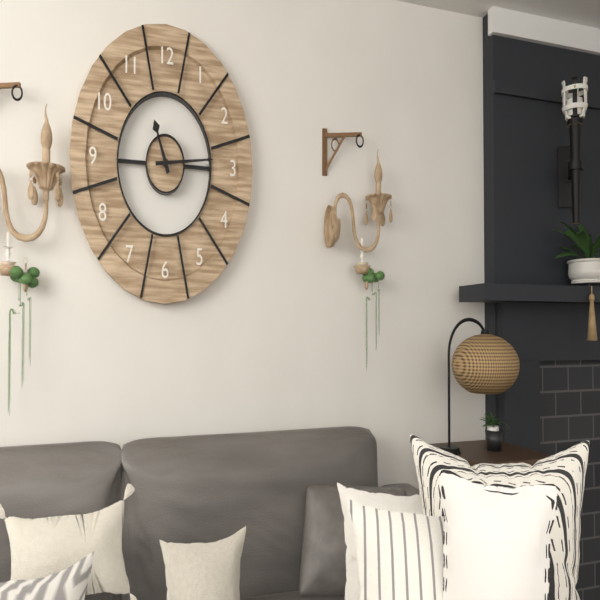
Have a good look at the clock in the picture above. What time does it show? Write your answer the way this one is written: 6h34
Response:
11h14
